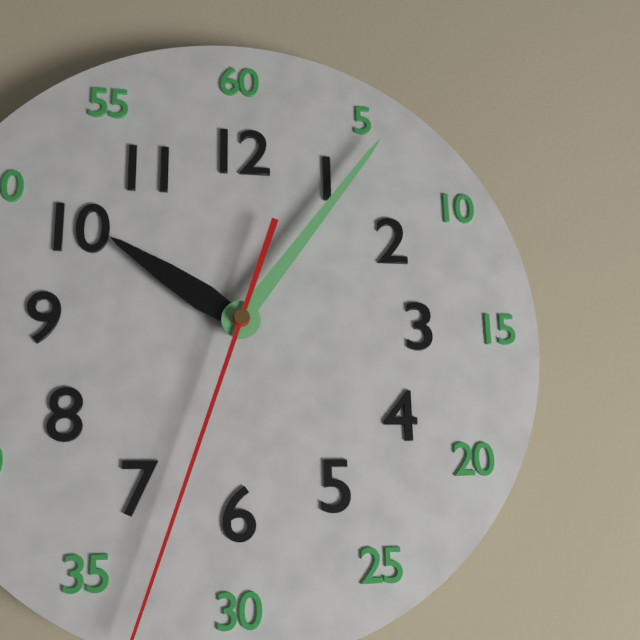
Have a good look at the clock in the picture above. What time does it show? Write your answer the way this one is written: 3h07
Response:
10h06
